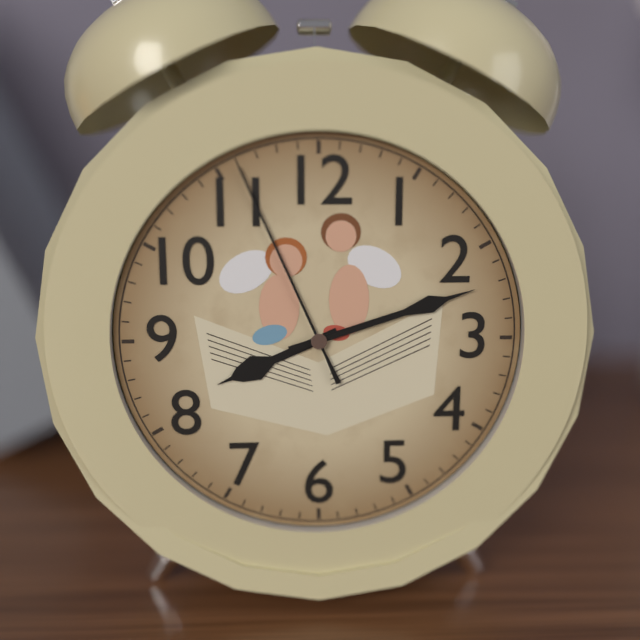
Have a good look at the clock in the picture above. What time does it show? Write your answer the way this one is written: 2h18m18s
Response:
8h12m56s
